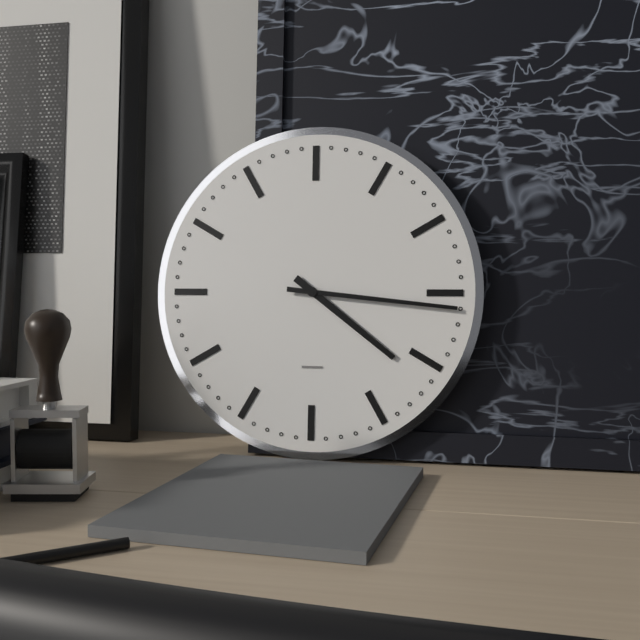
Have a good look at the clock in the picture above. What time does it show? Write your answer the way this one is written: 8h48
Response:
4h16
